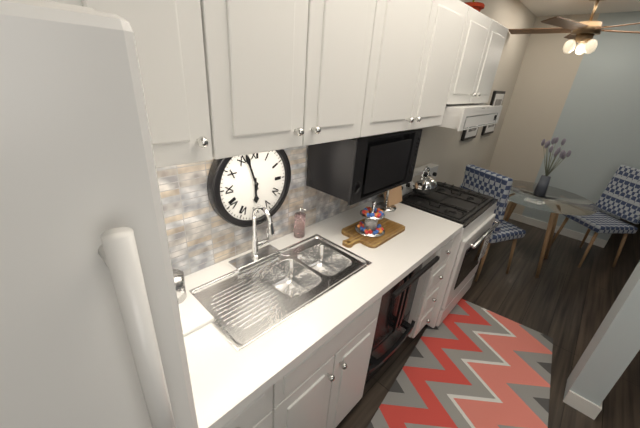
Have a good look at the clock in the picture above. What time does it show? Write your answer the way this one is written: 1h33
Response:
5h57
